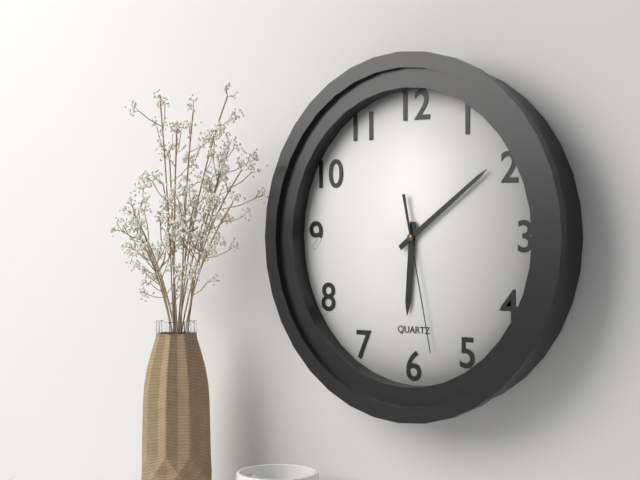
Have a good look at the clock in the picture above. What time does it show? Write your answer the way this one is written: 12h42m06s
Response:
6h09m28s
